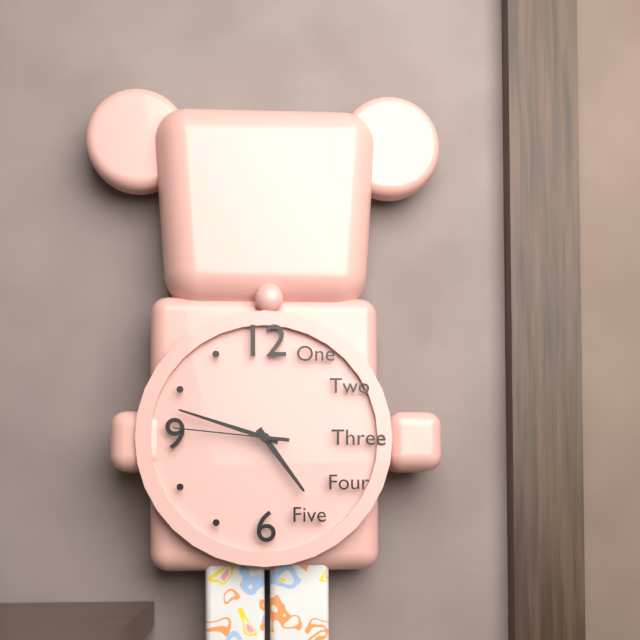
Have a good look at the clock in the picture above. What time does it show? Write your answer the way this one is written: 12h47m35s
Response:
4h48m46s
